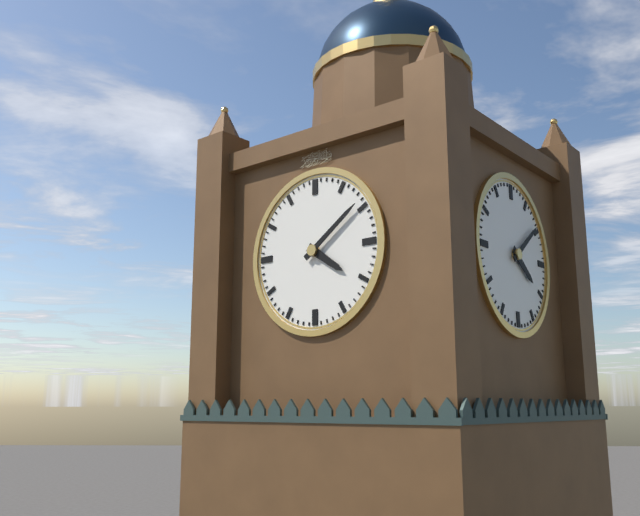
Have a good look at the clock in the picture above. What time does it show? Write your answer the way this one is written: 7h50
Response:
4h09
